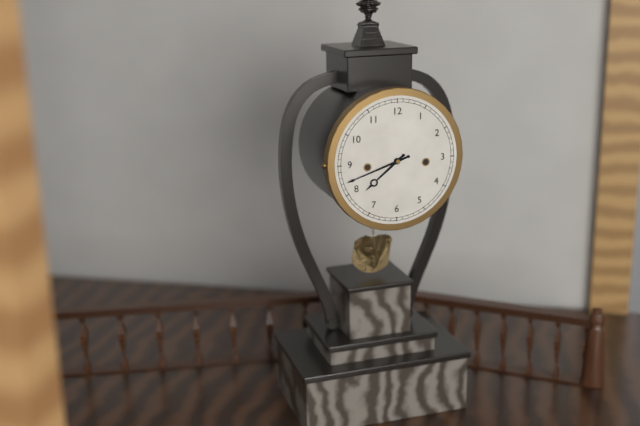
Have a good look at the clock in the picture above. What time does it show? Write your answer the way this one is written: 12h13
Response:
7h42
